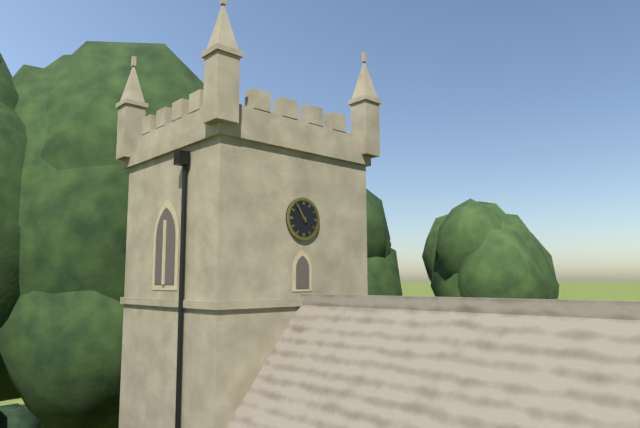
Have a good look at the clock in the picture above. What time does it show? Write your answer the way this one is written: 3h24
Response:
10h54
